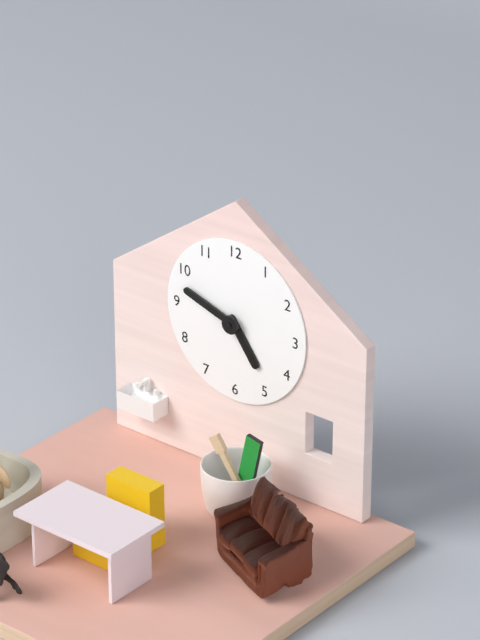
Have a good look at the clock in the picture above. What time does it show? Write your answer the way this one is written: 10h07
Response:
4h48
